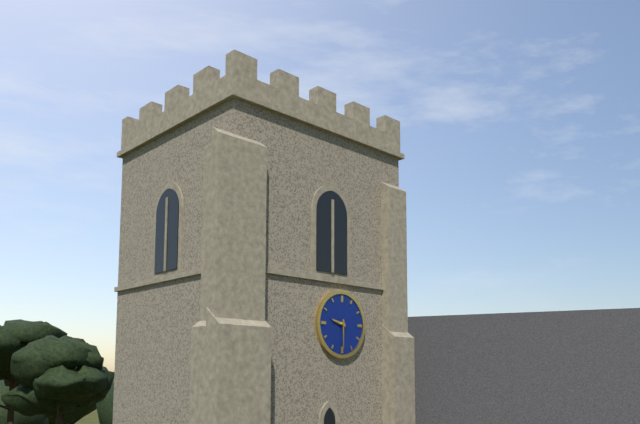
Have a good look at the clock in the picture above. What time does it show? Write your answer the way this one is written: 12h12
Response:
9h30
